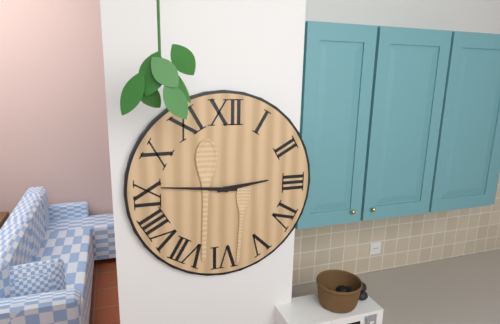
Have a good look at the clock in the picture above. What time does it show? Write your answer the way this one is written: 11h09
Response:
2h46
